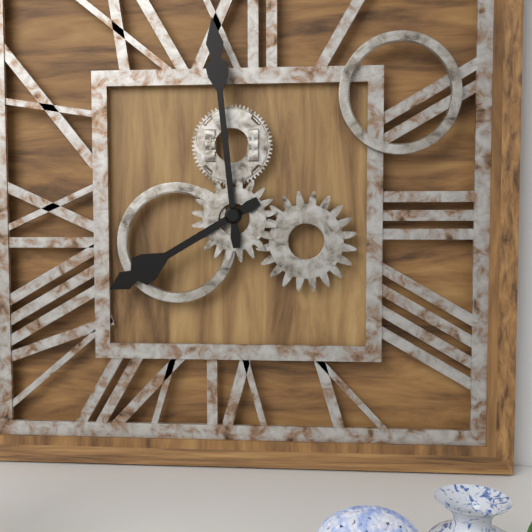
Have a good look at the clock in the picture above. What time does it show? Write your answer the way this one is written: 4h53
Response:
7h59
